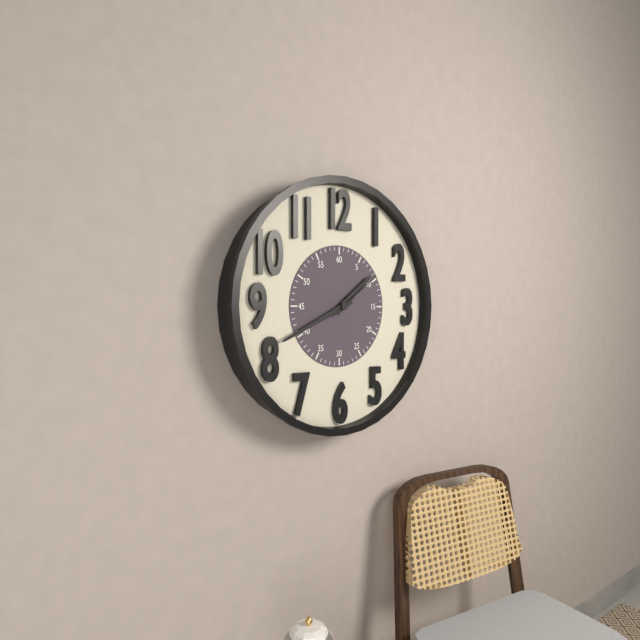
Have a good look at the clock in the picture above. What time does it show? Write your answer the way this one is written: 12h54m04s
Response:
1h41m09s
